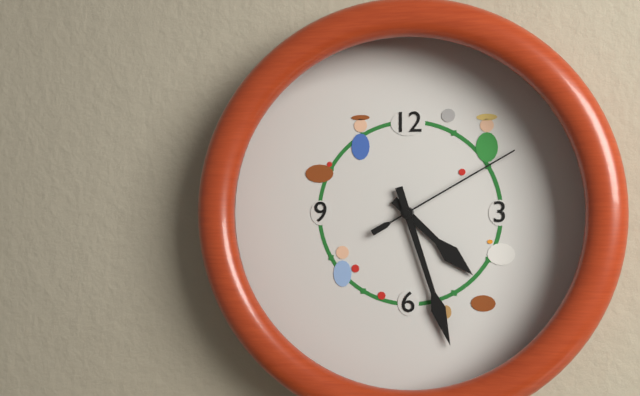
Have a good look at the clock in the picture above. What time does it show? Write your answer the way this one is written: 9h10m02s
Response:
4h27m10s
